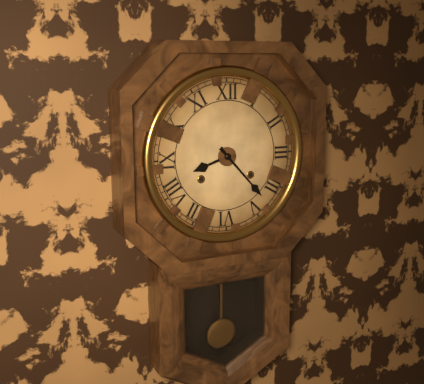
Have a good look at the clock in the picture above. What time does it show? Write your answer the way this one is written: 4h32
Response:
8h23
